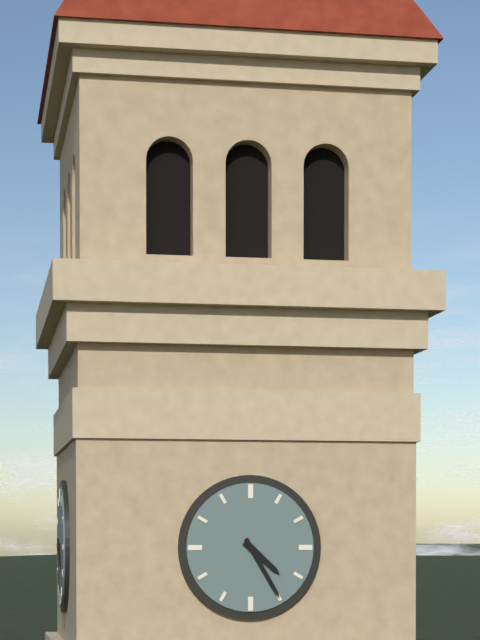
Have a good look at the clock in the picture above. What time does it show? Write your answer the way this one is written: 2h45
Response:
4h25
